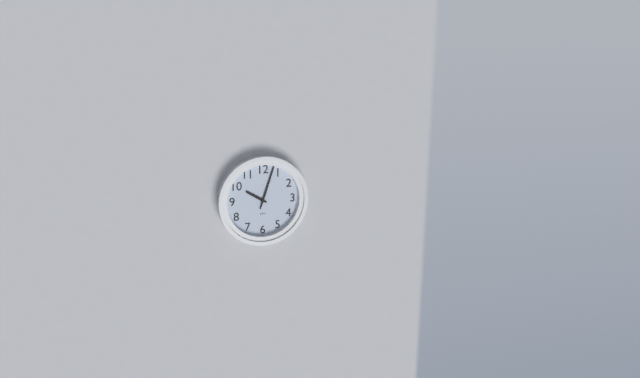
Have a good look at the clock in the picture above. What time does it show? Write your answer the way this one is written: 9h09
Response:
10h03
